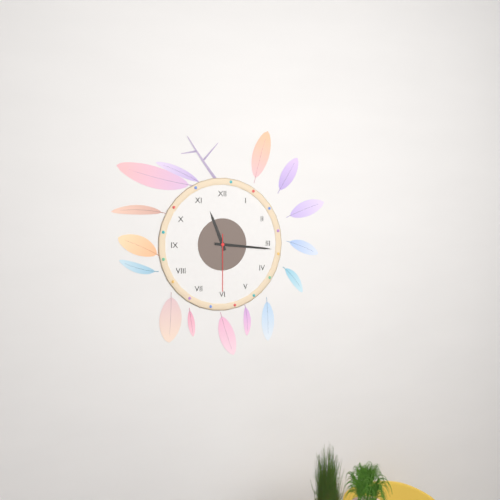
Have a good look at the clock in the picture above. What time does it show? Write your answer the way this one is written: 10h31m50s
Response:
11h16m30s
